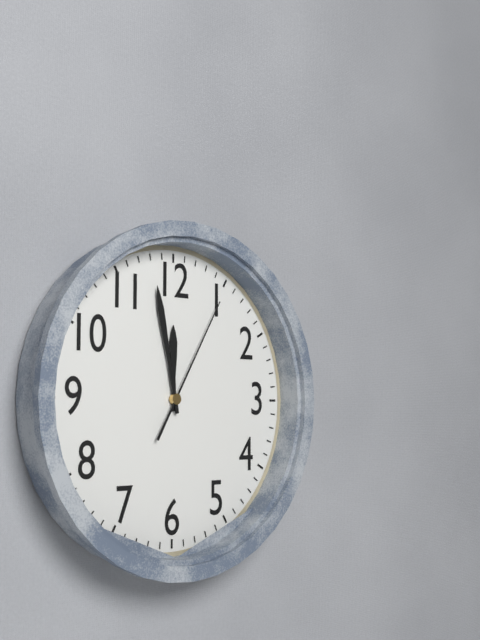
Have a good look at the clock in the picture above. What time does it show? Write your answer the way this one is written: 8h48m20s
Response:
11h58m05s
